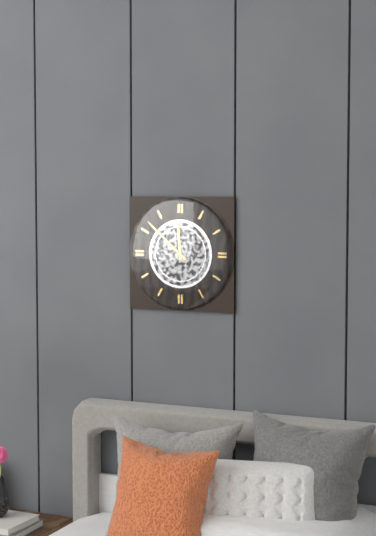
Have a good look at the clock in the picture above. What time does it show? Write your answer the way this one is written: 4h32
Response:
11h52
